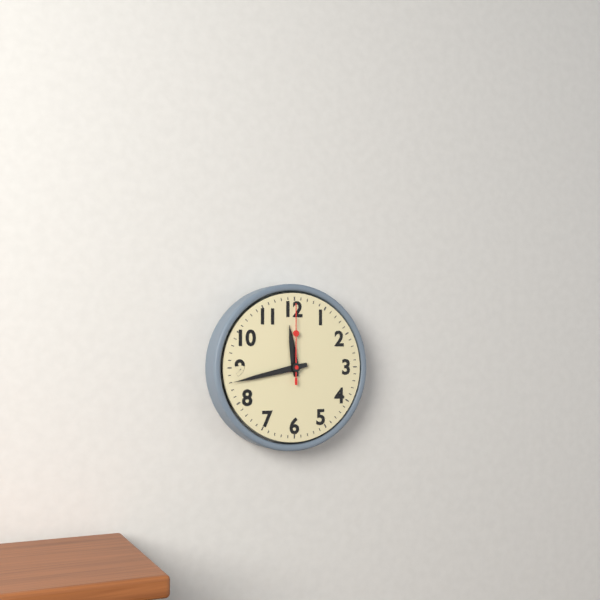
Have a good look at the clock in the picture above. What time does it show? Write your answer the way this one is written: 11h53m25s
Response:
11h43m00s
